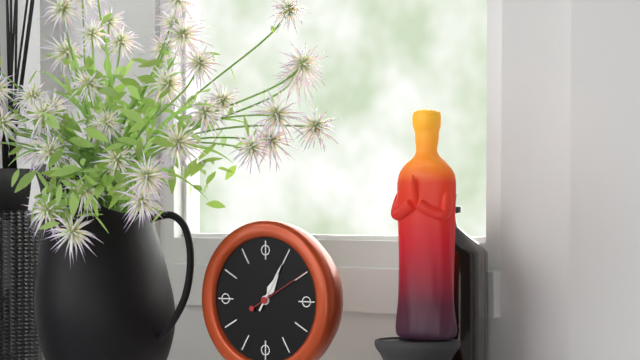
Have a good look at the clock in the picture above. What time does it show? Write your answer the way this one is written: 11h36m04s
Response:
1h05m10s
